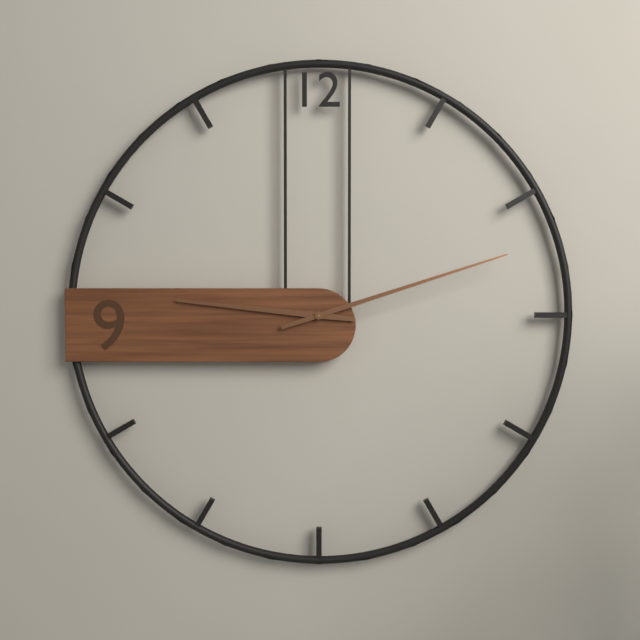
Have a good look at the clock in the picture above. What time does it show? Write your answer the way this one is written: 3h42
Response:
9h12
